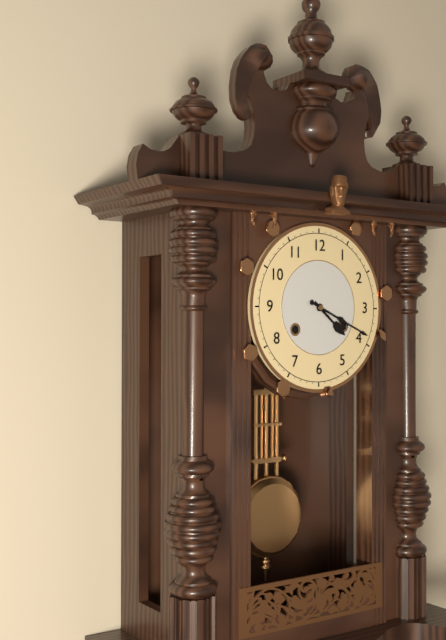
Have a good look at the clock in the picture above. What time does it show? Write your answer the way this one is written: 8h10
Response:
4h19
